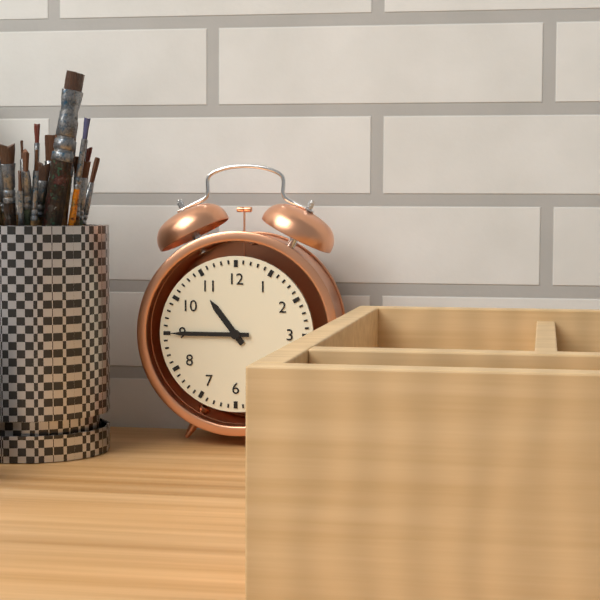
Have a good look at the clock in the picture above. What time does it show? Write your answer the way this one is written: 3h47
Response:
10h45
